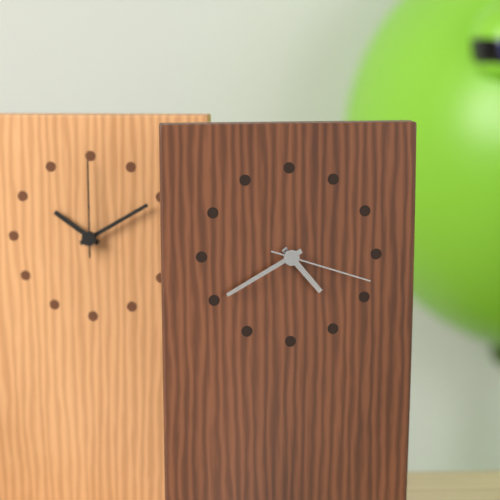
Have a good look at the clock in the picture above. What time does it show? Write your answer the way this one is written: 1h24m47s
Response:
4h40m18s
